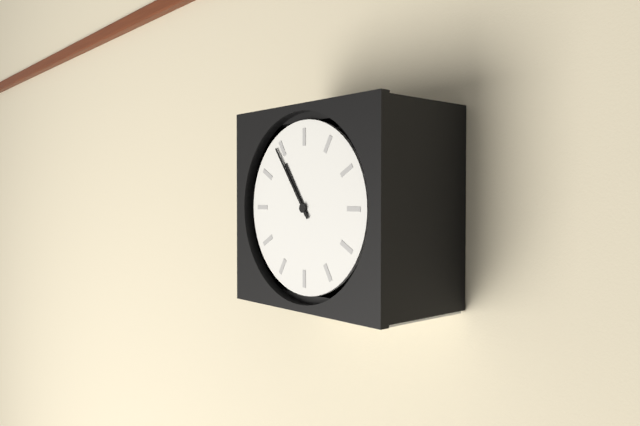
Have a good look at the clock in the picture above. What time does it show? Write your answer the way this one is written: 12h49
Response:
10h54
